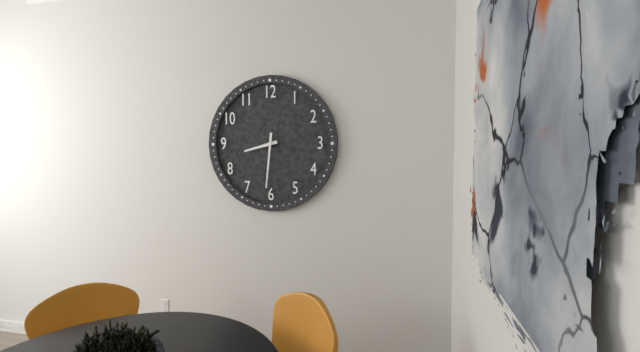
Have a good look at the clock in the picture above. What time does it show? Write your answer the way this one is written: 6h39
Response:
8h31
